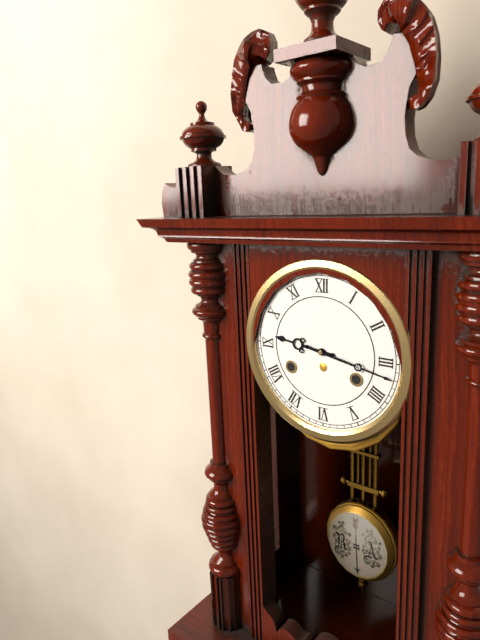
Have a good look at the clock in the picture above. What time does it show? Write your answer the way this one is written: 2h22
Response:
9h17
